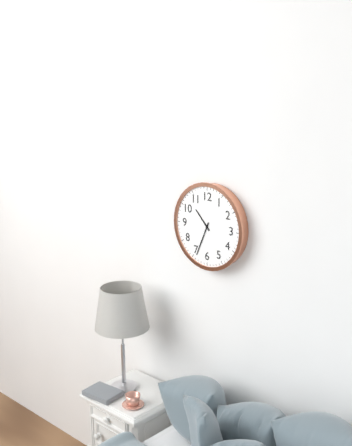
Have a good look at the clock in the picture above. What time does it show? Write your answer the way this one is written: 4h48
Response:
10h34
